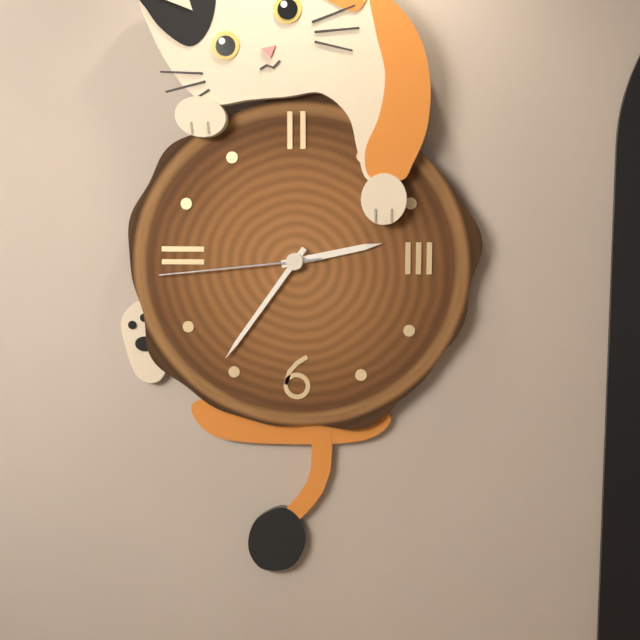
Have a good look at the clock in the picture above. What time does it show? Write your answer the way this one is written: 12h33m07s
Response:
2h36m44s
